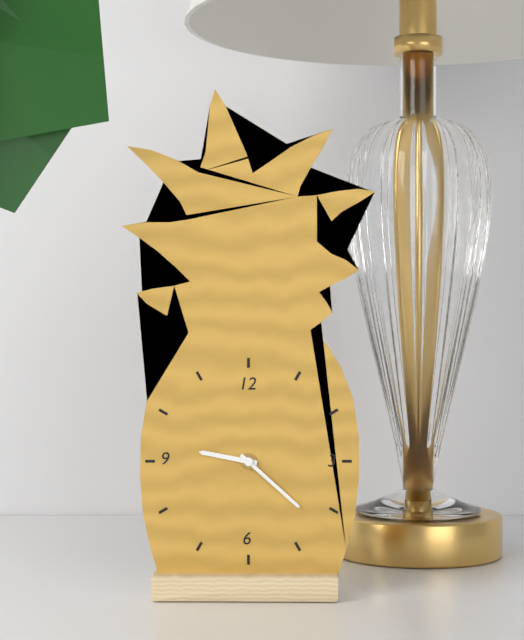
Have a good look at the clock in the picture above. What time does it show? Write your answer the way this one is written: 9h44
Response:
9h22
